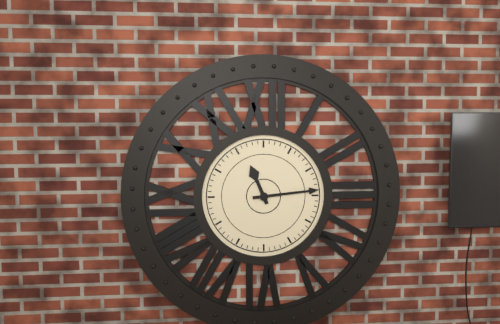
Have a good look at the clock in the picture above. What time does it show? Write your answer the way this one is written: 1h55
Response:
11h14
